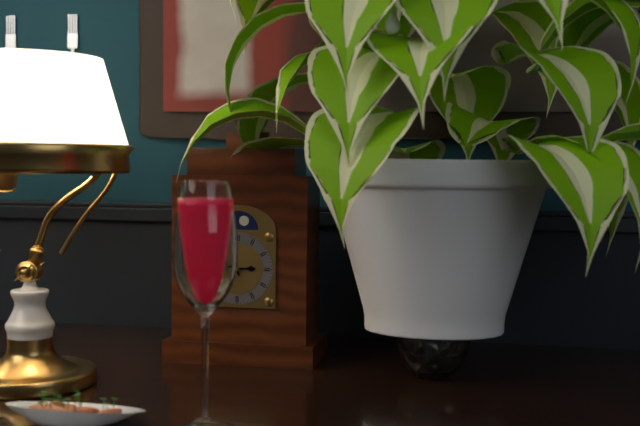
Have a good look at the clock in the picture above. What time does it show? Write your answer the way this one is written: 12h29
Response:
2h57
